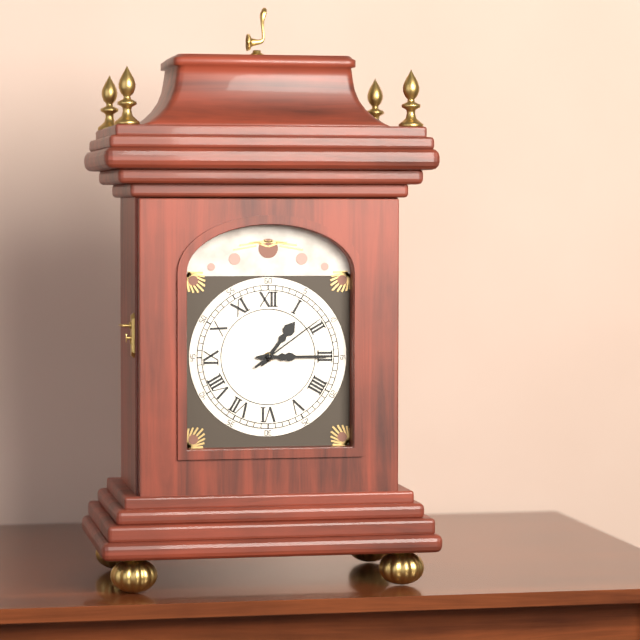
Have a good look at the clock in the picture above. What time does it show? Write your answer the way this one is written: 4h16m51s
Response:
1h15m09s
